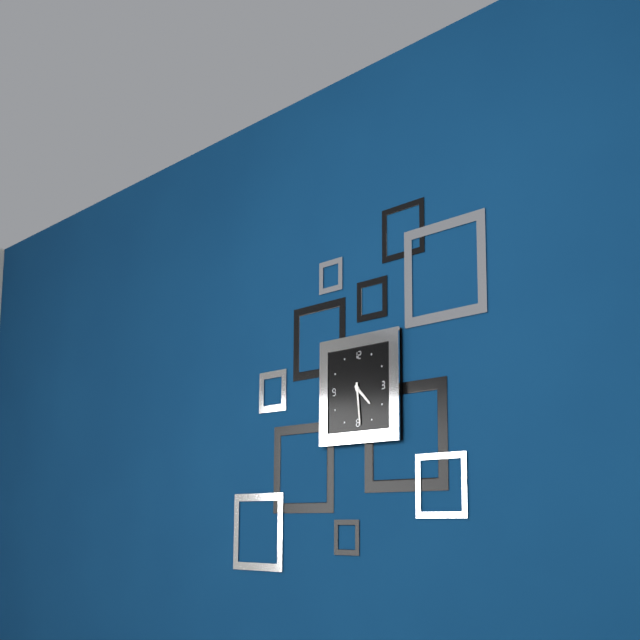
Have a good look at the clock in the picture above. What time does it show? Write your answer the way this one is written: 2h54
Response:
4h29
